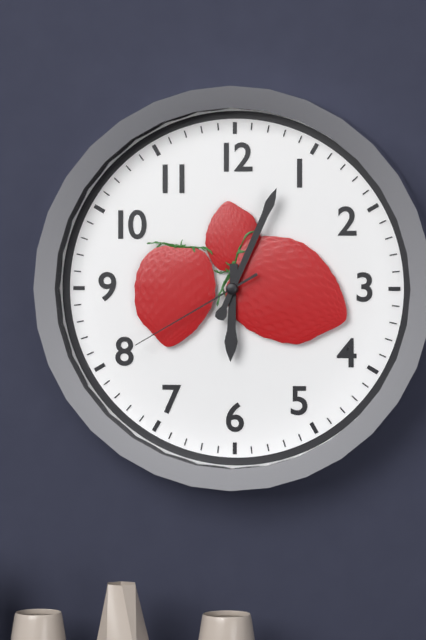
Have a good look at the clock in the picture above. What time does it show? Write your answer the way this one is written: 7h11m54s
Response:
6h04m40s
